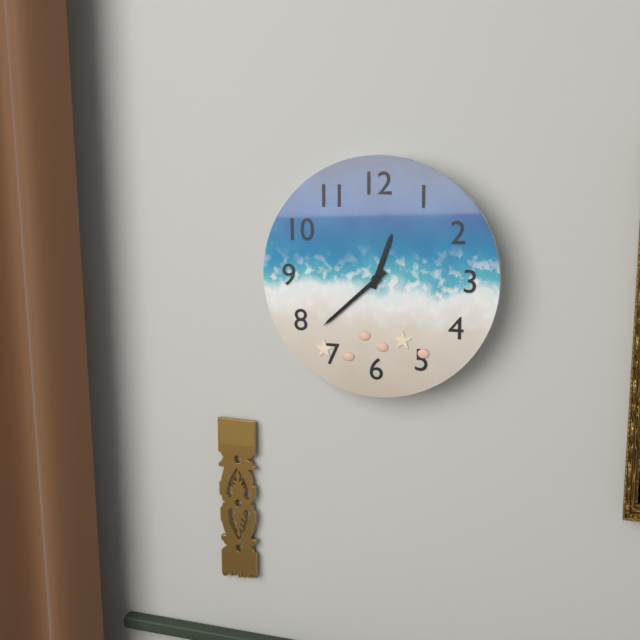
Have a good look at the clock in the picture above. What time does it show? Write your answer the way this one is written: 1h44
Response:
12h38
